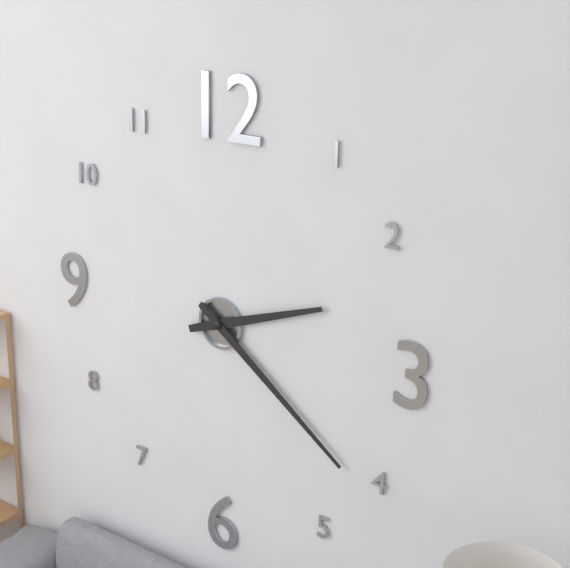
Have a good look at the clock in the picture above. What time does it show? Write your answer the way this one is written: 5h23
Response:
2h21
